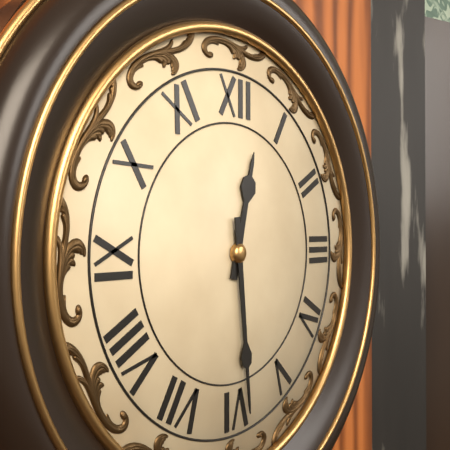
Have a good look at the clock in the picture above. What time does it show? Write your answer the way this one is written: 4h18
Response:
12h29
